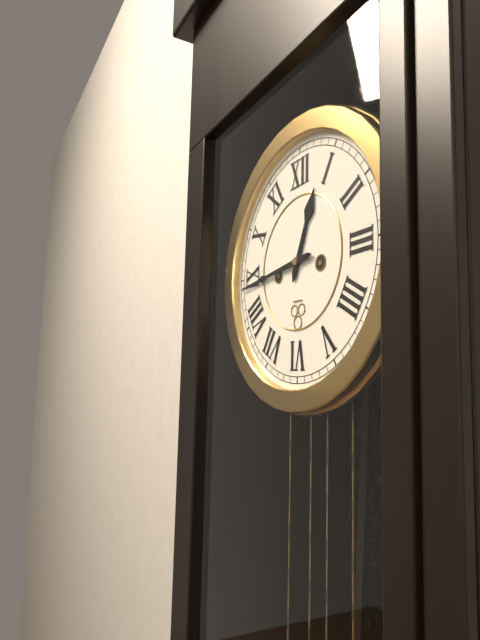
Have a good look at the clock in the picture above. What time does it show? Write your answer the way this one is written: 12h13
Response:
12h44
